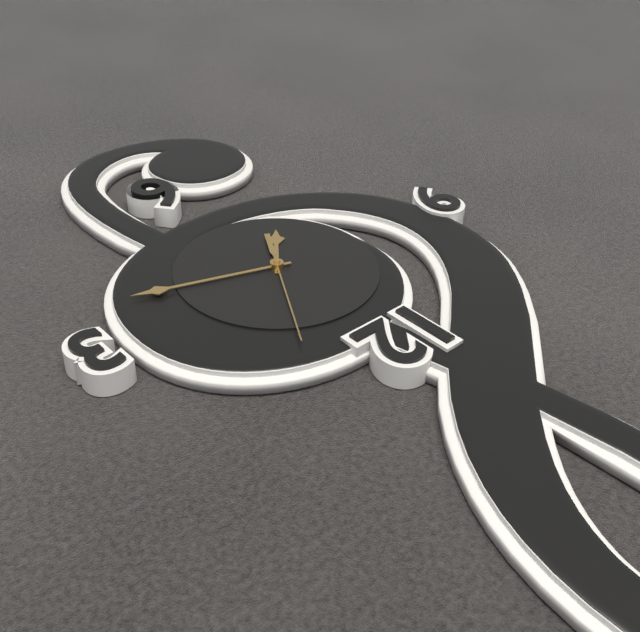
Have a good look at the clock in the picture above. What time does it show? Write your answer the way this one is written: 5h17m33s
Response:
7h18m05s
